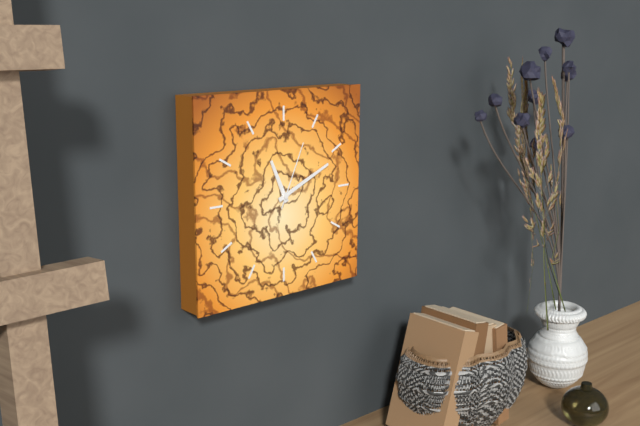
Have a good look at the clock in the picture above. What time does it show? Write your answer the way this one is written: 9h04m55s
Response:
11h11m04s
